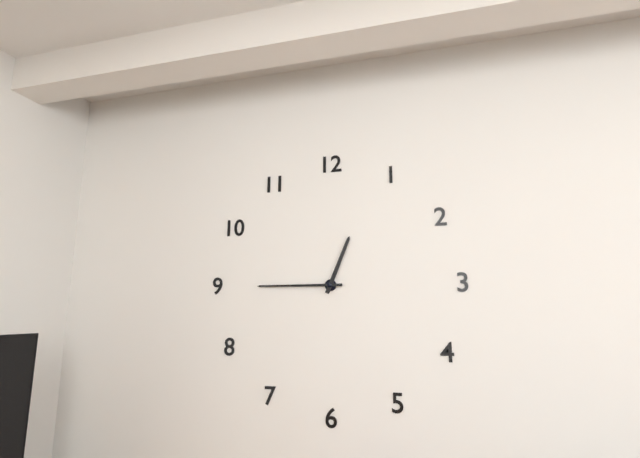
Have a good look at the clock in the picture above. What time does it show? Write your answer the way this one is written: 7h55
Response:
12h45
